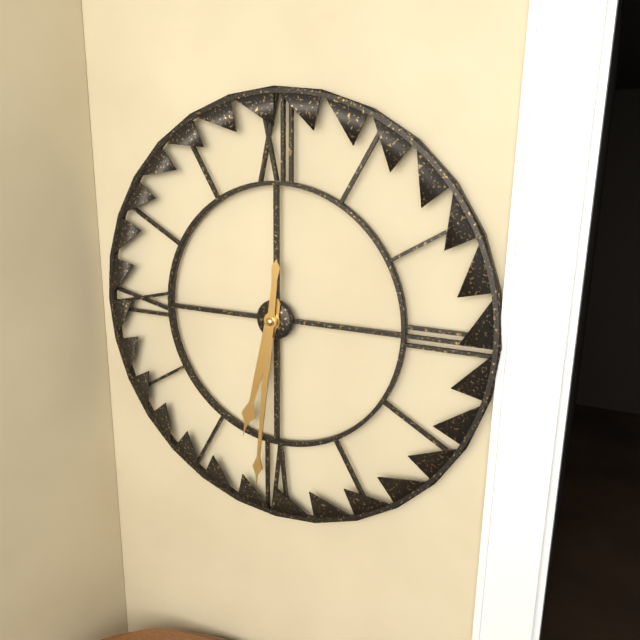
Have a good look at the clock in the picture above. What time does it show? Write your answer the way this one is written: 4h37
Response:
6h31
